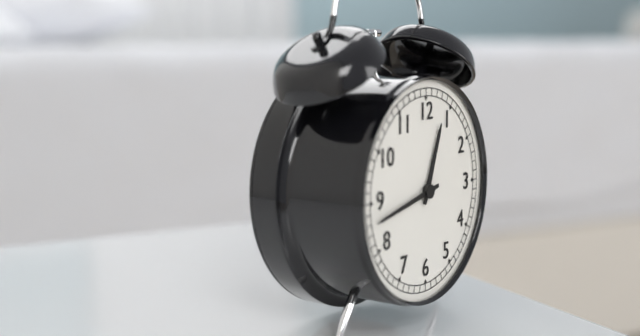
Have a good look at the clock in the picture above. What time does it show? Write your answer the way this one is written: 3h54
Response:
12h43
